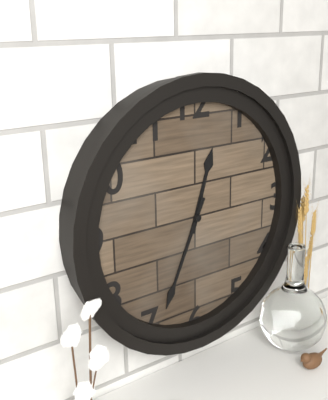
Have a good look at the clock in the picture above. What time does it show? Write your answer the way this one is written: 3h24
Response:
12h34
